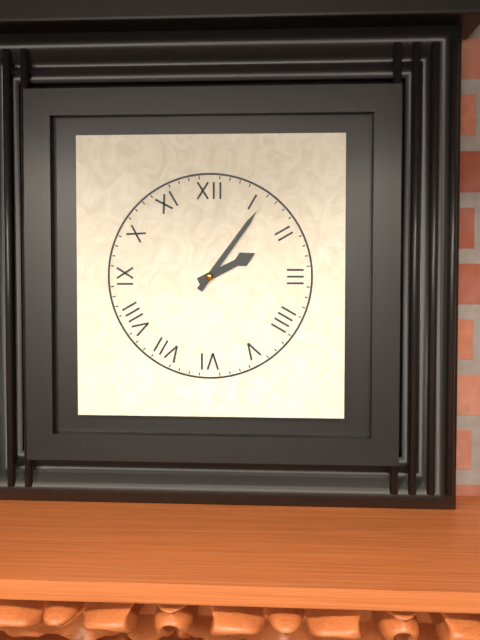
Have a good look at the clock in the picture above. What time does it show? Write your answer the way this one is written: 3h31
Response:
2h06
